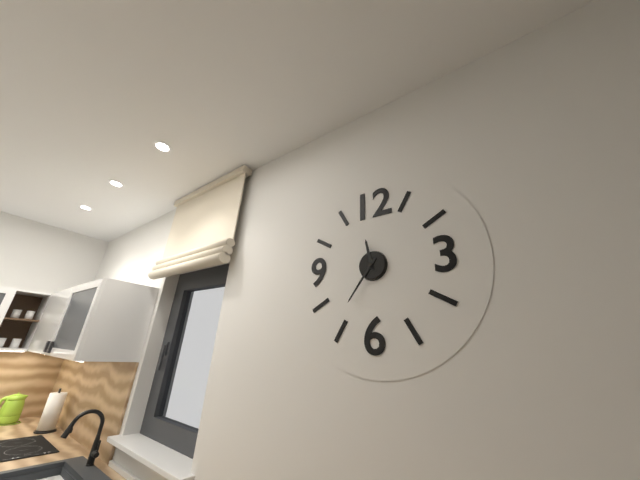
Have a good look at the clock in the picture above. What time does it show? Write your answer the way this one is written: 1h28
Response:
11h36
